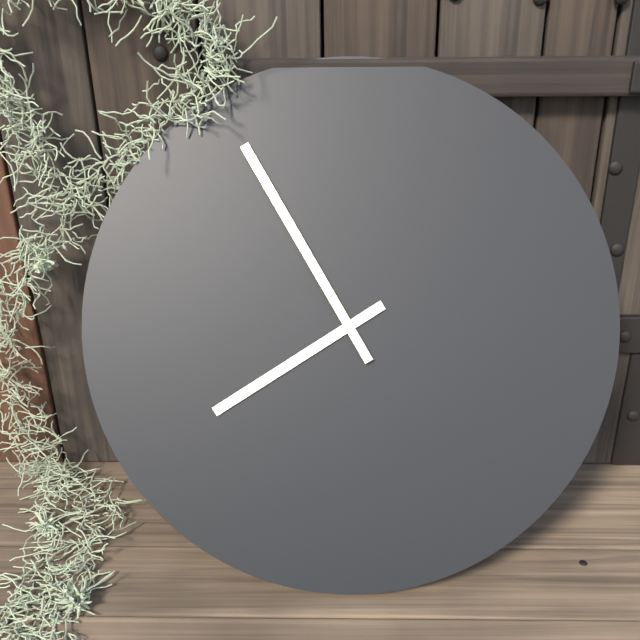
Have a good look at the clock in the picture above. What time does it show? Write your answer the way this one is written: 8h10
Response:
7h55
